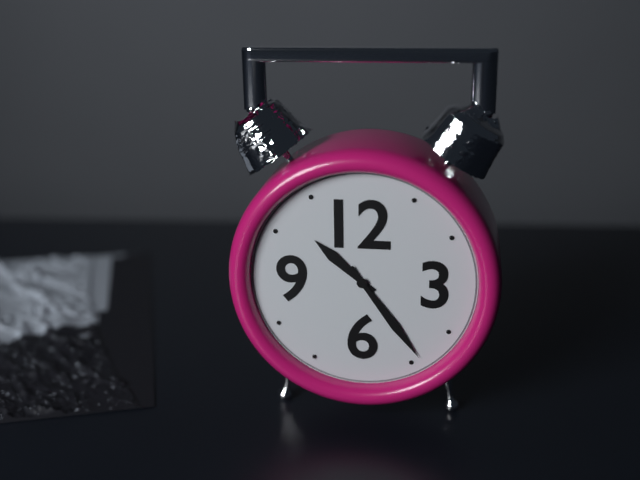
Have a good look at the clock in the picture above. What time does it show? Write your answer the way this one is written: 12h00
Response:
10h24
